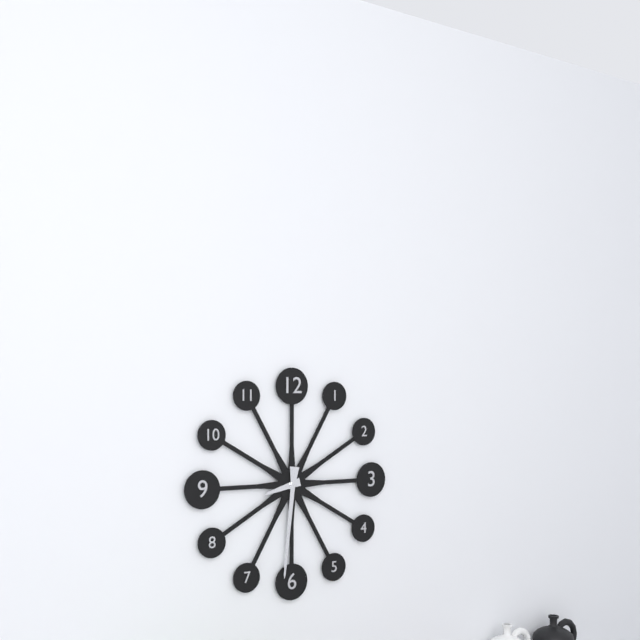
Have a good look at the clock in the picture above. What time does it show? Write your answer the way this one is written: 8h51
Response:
8h31
